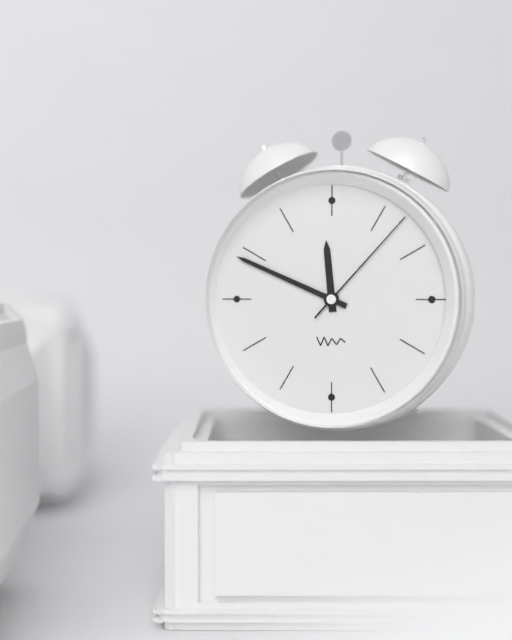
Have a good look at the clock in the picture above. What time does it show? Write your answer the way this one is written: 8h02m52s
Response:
11h49m07s
